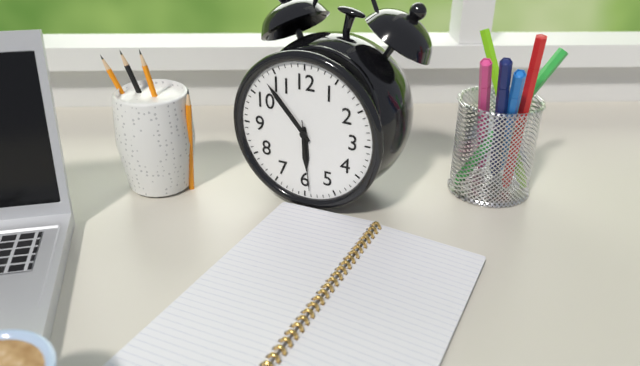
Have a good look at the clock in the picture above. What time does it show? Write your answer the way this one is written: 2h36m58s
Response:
5h53m29s
